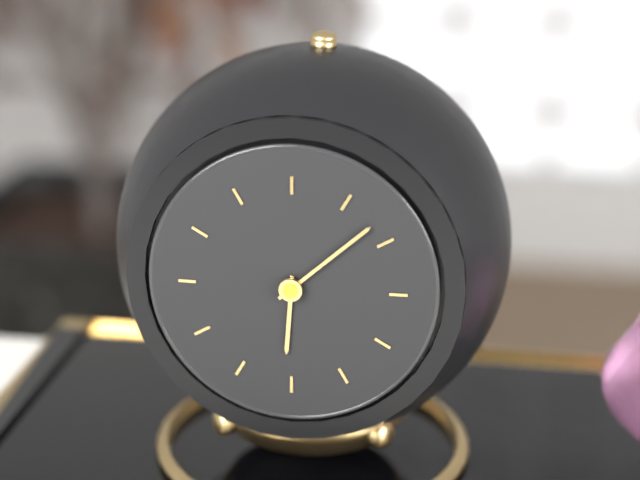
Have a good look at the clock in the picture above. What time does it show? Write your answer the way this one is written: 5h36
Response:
6h08
